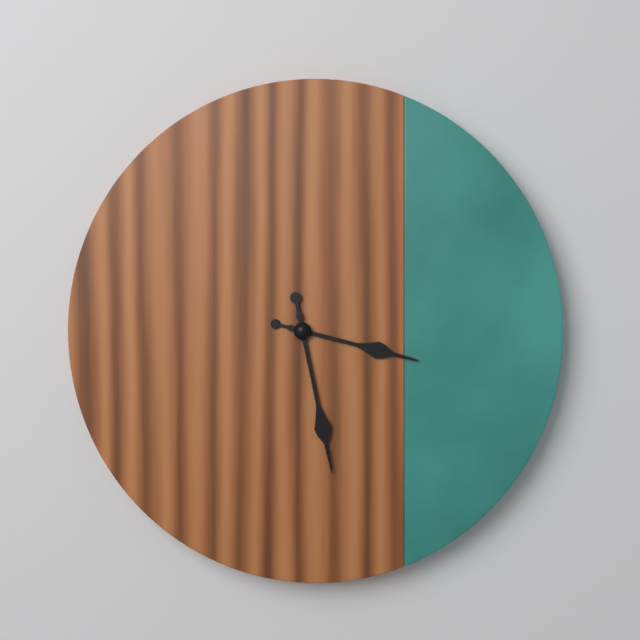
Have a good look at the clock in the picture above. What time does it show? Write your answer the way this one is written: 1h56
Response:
3h28
